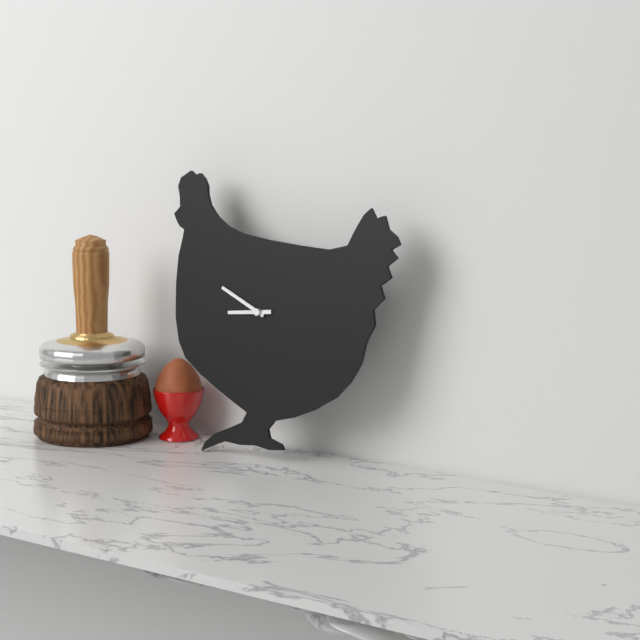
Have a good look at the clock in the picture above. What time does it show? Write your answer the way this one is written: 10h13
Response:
8h49
